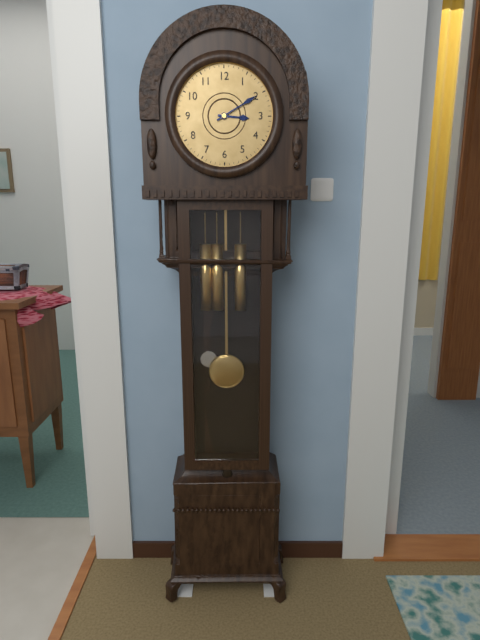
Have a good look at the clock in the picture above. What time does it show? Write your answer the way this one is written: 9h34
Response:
3h10
